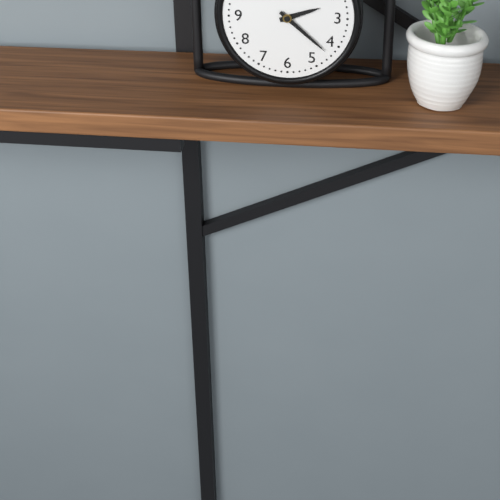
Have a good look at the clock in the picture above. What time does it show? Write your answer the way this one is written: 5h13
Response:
2h22
